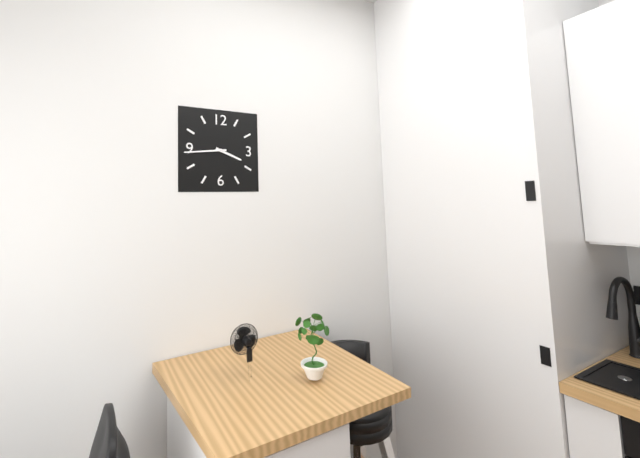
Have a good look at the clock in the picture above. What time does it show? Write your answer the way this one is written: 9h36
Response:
3h44
